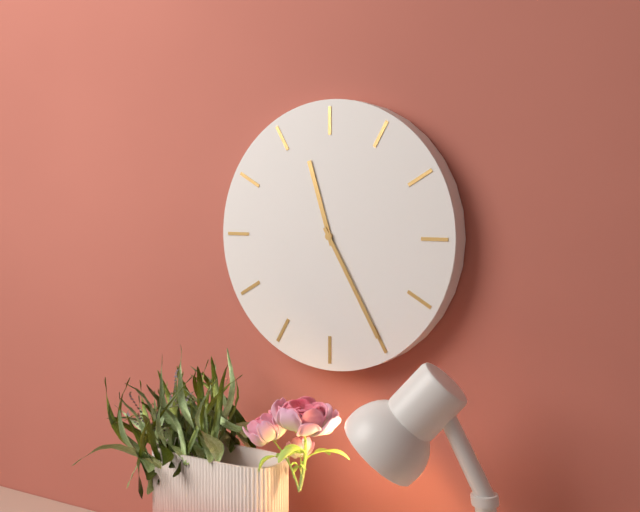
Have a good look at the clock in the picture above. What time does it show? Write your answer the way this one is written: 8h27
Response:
11h25
